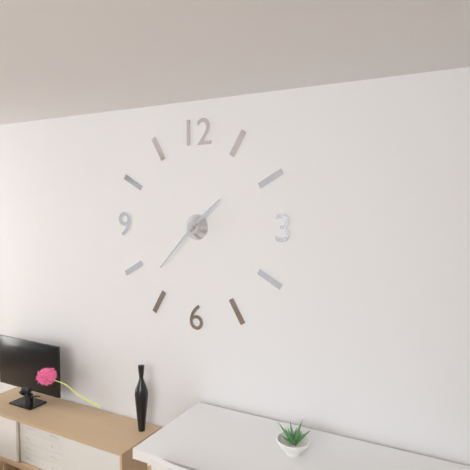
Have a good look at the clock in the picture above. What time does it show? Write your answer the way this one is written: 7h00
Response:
1h37
